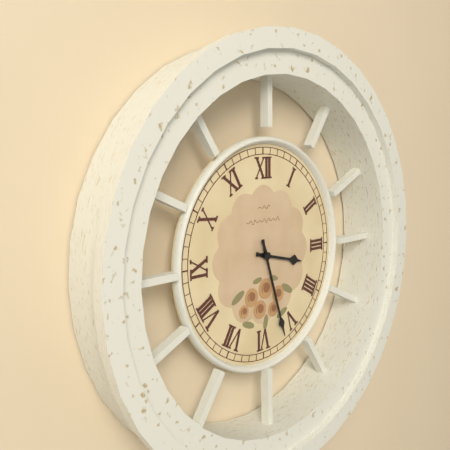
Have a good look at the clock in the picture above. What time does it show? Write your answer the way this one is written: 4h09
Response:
3h27
